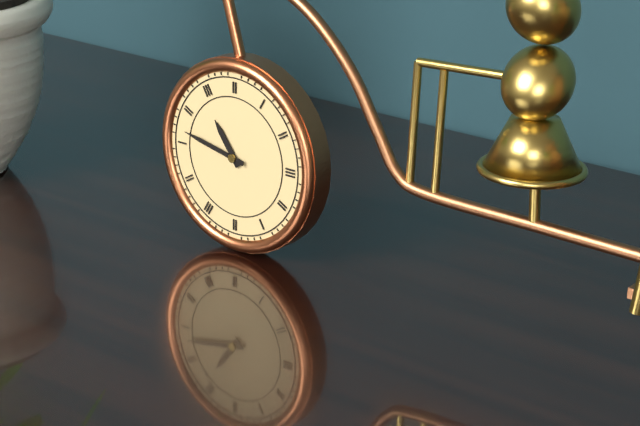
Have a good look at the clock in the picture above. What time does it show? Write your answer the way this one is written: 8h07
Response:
10h47
